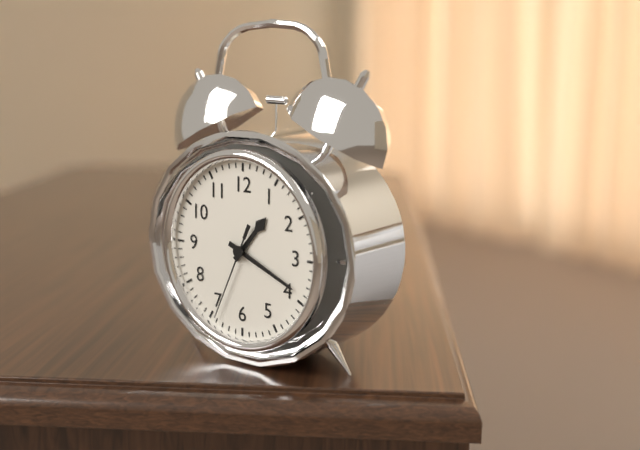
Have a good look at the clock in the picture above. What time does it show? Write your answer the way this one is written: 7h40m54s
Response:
1h19m34s
